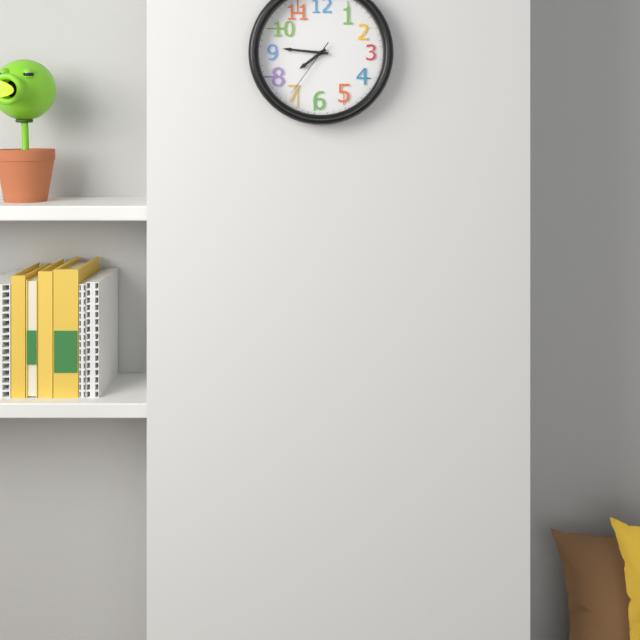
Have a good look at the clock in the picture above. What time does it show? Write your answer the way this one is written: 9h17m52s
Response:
7h46m36s
